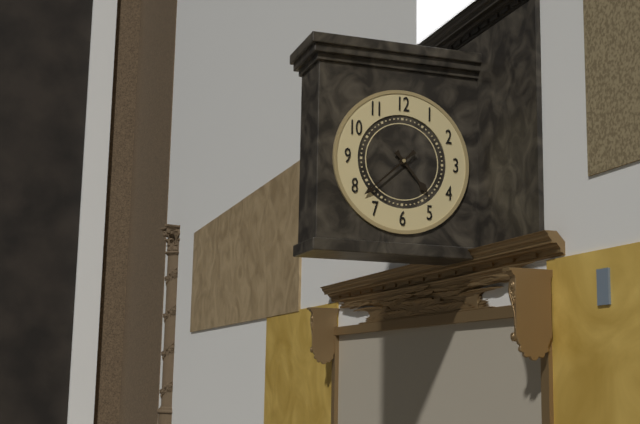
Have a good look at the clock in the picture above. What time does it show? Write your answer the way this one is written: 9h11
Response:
4h38
